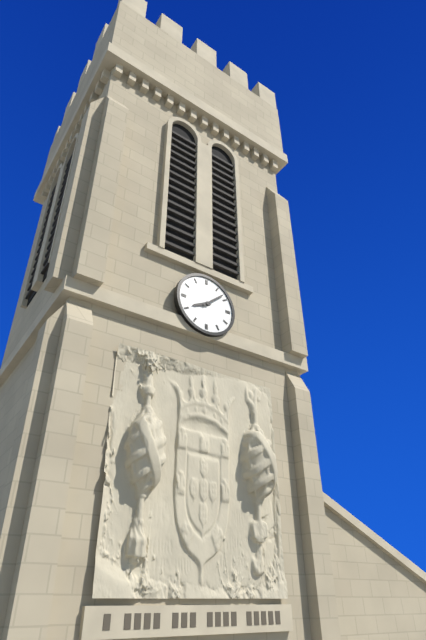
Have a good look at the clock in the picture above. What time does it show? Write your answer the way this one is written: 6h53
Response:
8h08
